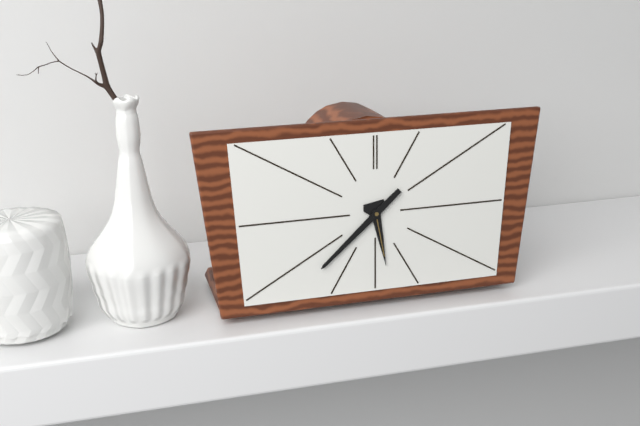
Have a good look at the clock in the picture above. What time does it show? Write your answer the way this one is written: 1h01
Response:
5h38
